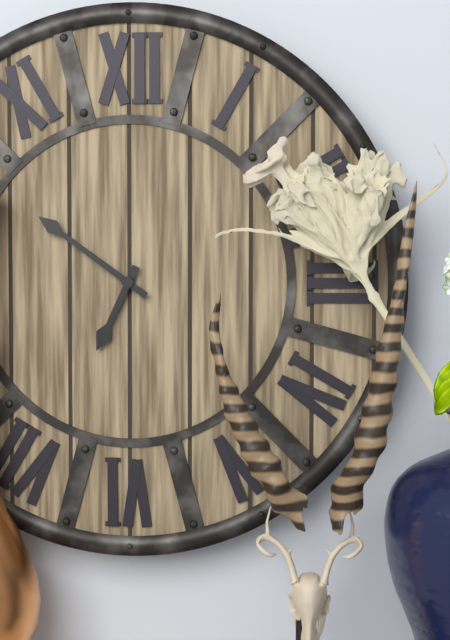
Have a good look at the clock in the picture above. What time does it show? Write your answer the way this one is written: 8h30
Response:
6h51
